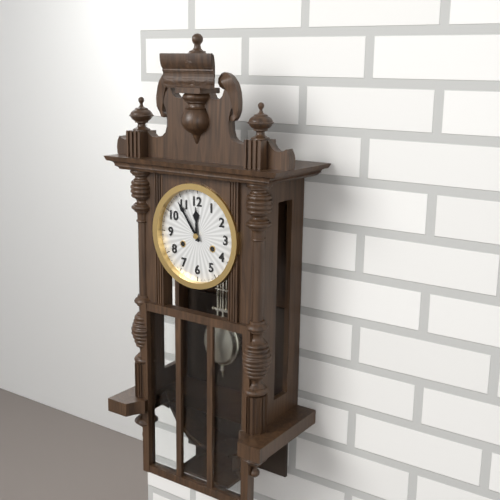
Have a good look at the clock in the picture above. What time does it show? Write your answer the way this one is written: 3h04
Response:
11h54
